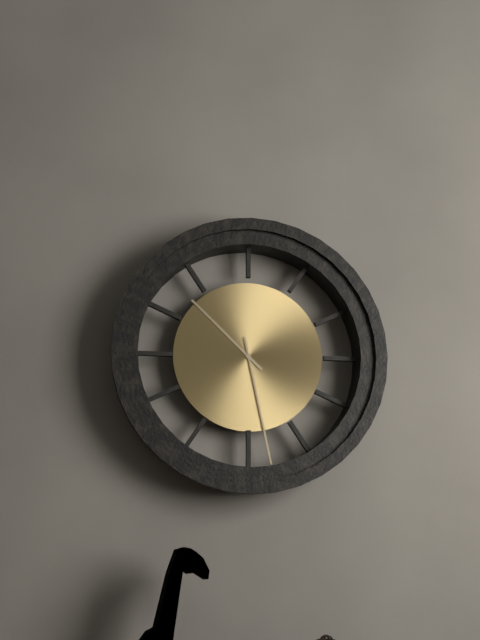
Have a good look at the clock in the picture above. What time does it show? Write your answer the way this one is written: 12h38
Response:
10h28
